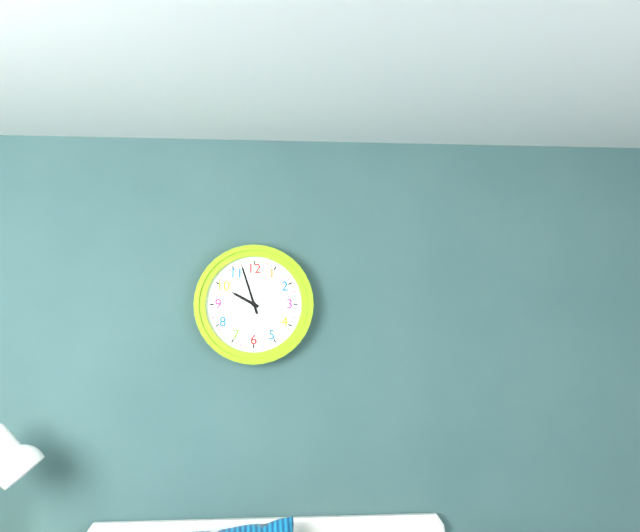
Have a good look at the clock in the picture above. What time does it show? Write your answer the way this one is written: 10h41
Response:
9h57
